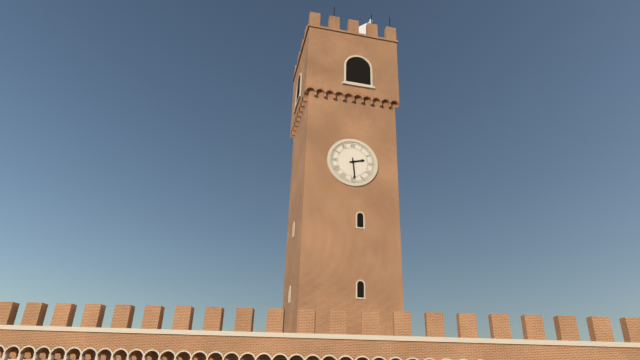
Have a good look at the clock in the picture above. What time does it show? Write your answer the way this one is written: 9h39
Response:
2h29
